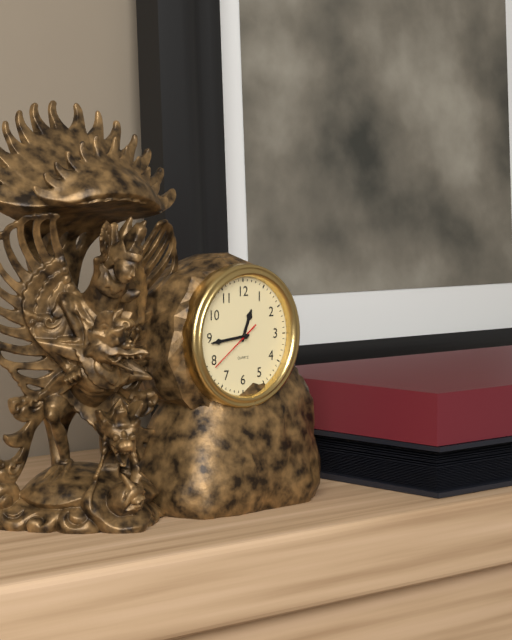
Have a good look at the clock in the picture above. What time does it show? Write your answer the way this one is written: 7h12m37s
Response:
12h44m39s
